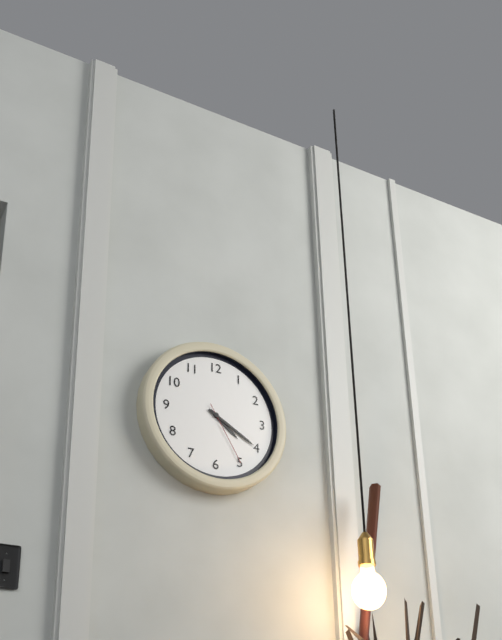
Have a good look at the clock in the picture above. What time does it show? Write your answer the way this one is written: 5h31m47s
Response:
4h20m25s
